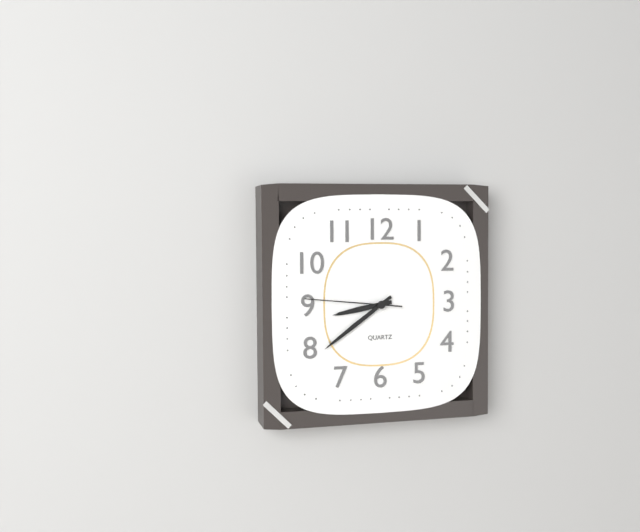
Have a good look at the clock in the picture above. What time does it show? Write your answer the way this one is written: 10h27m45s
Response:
8h39m46s
